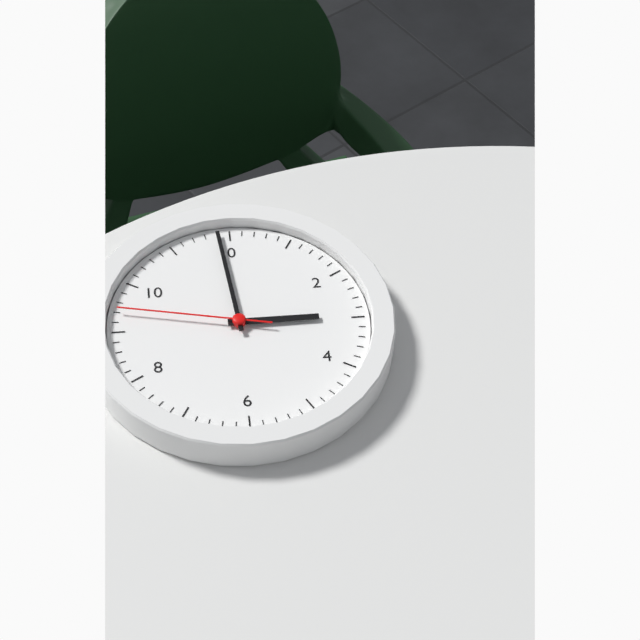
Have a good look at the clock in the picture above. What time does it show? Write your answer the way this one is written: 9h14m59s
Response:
2h59m47s
